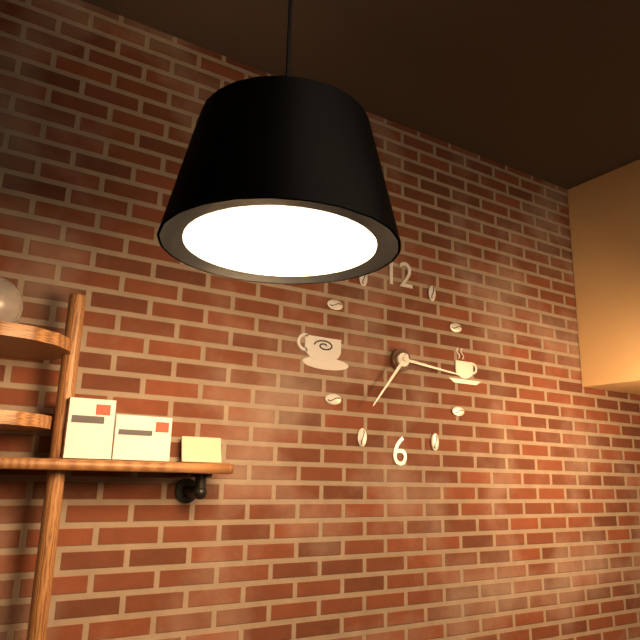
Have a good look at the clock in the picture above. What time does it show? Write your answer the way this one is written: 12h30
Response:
7h16
